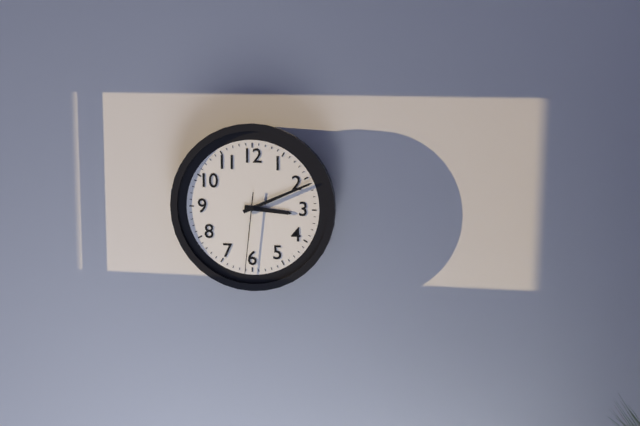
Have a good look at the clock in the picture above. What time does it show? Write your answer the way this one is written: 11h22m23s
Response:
3h11m31s
